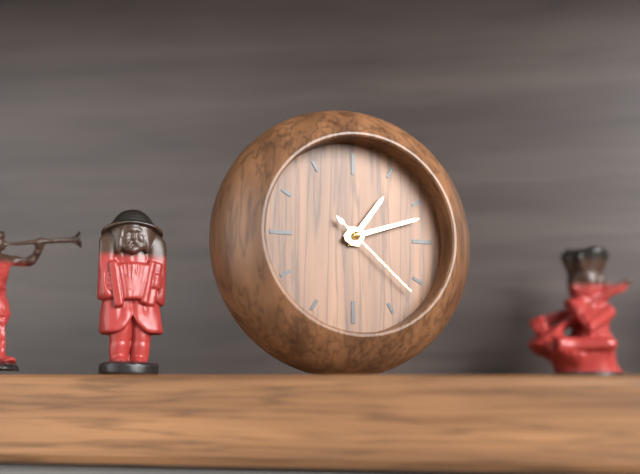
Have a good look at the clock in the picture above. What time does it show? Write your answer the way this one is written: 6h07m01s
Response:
1h12m22s
